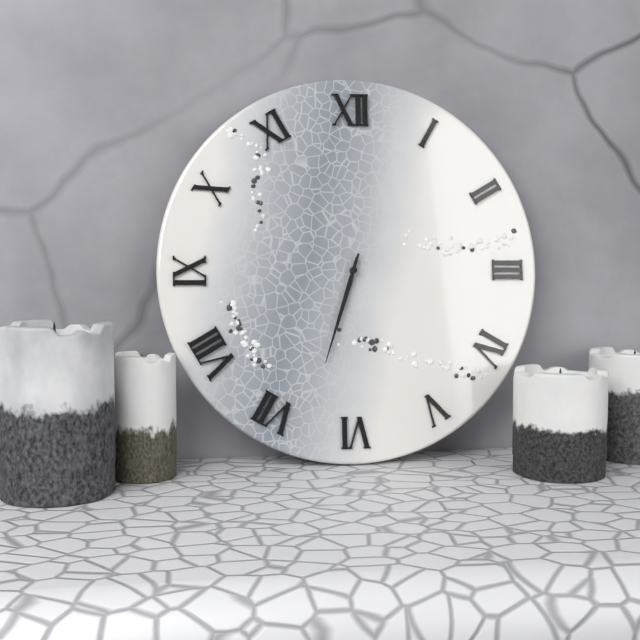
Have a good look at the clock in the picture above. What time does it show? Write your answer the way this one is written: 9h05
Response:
6h33
